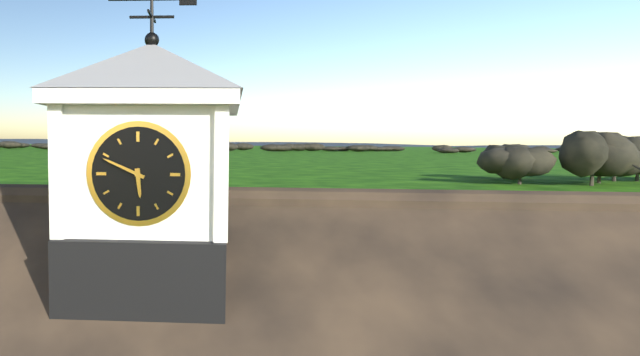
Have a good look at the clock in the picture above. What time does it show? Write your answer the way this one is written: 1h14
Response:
5h49
